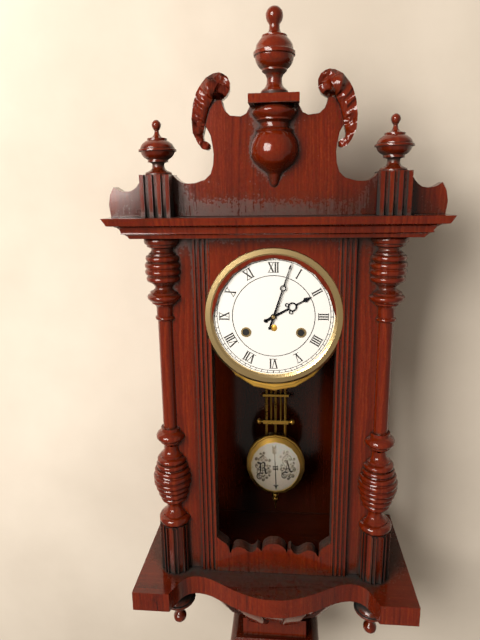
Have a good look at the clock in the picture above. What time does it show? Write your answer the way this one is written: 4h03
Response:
2h03
